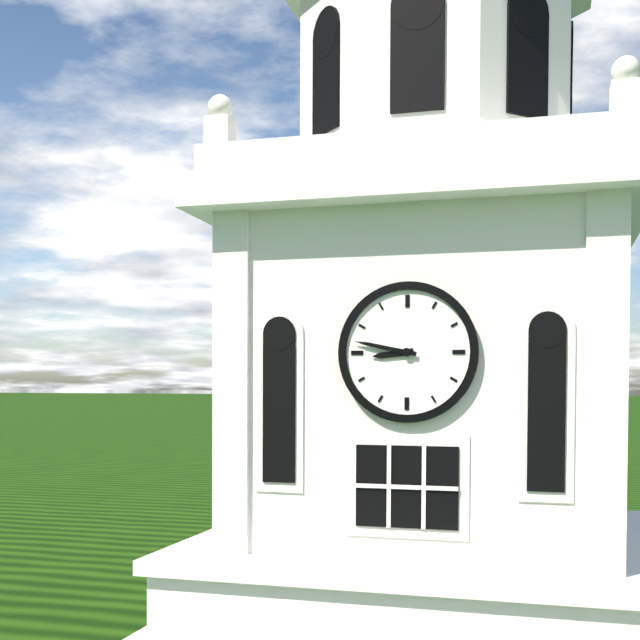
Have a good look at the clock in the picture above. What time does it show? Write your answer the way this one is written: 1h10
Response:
8h47
